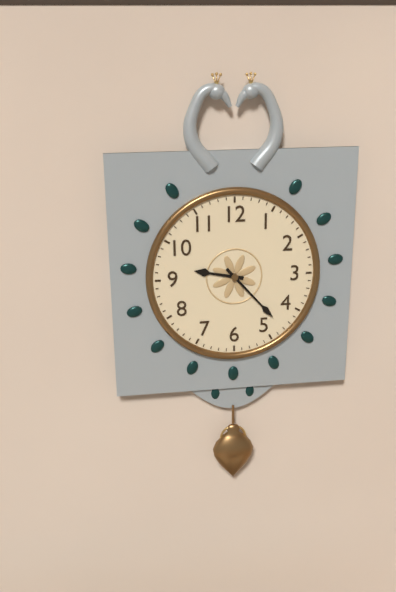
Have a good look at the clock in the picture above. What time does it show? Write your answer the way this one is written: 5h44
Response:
9h23
